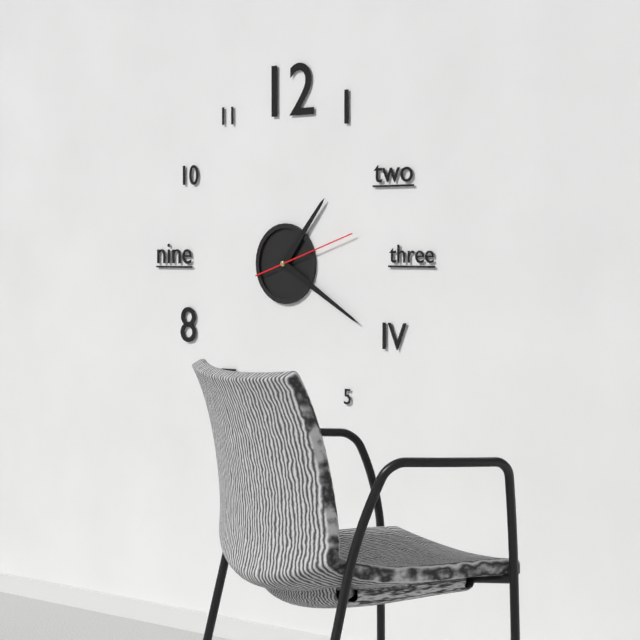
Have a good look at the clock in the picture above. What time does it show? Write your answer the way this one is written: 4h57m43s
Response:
1h20m12s
